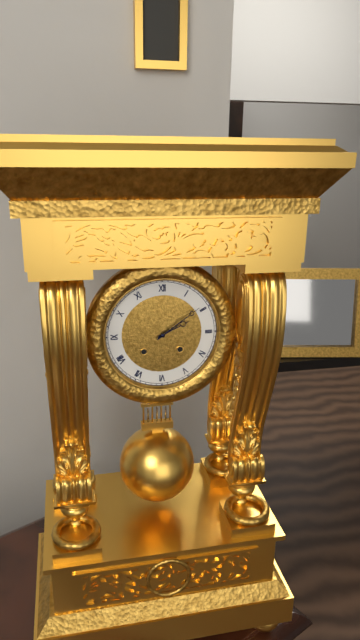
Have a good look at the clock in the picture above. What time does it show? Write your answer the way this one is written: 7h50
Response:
2h09
